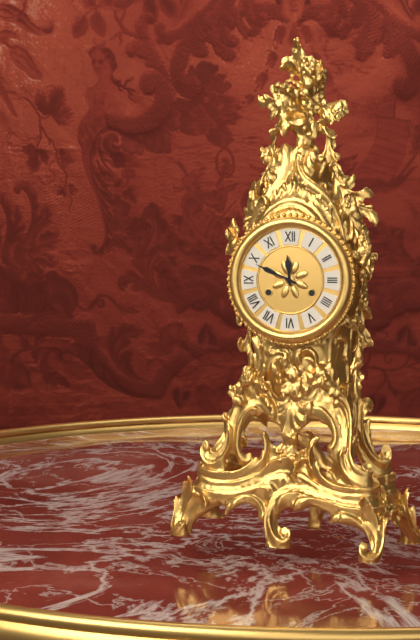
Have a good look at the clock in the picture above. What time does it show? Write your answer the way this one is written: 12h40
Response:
11h49
